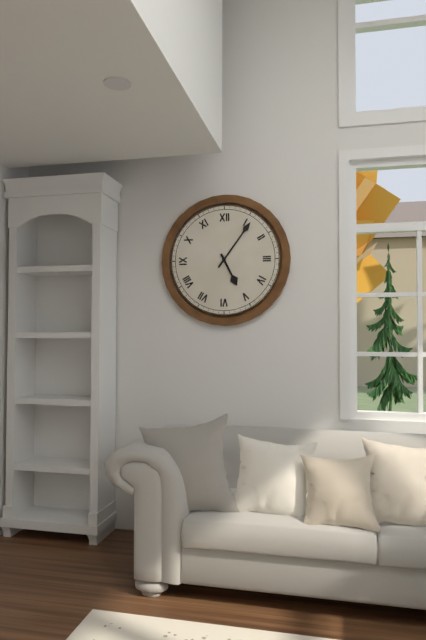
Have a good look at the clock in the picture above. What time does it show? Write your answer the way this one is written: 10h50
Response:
5h06
